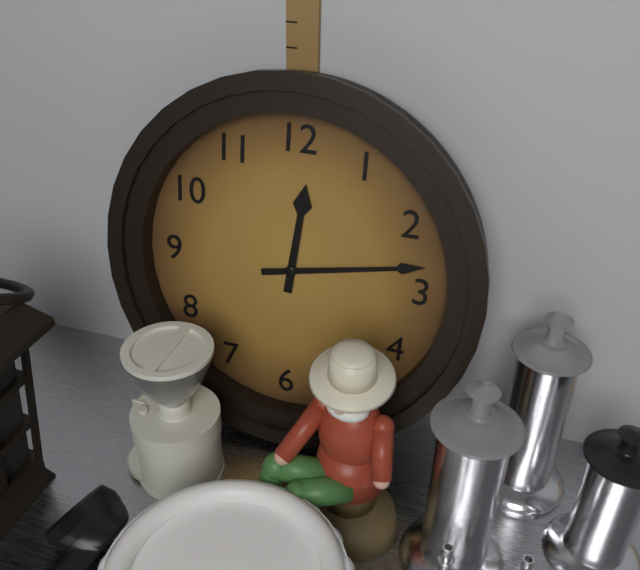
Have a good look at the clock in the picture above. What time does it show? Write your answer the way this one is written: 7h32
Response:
12h13
